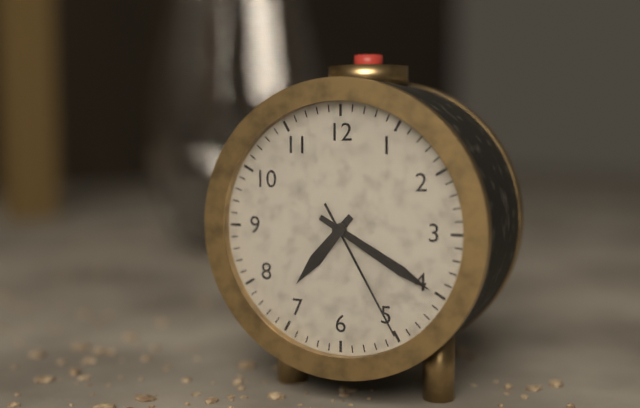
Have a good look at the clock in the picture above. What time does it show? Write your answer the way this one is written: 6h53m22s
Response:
7h20m25s
